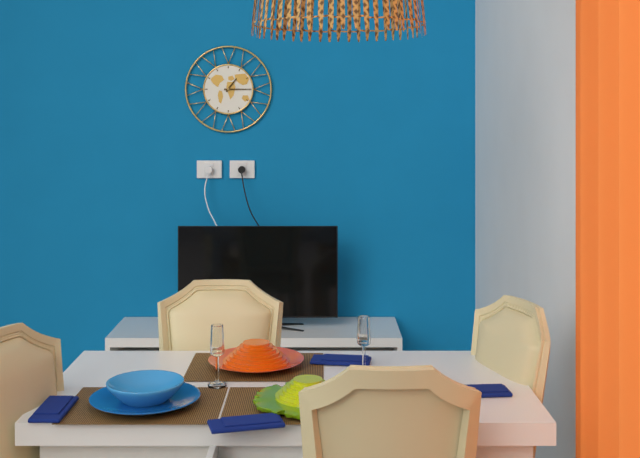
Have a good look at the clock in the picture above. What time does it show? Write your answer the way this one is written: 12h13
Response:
1h15
